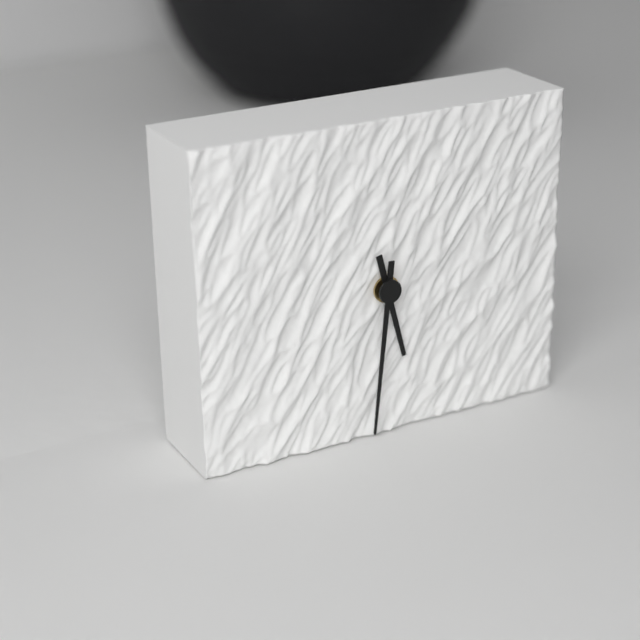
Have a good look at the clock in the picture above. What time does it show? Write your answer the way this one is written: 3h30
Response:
5h31
